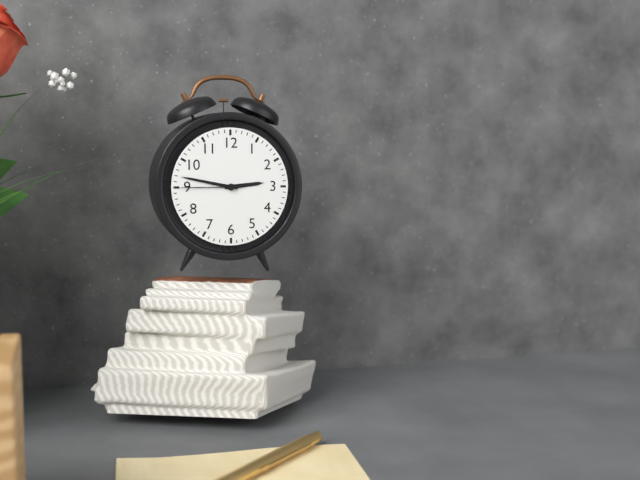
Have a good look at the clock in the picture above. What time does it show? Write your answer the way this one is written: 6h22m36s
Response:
2h47m45s
